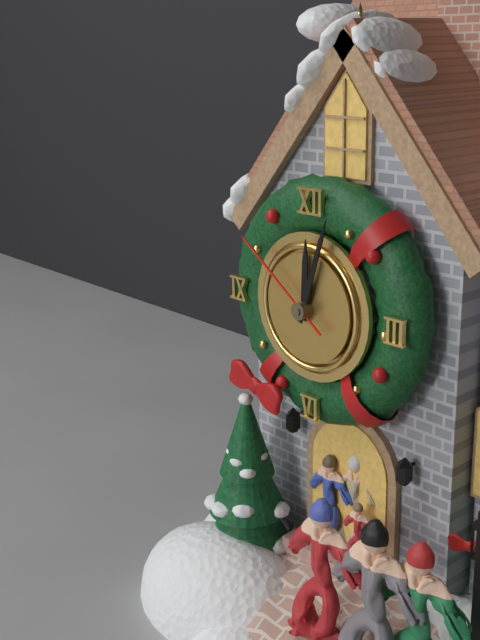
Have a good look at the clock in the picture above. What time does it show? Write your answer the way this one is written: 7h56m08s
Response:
12h03m51s
